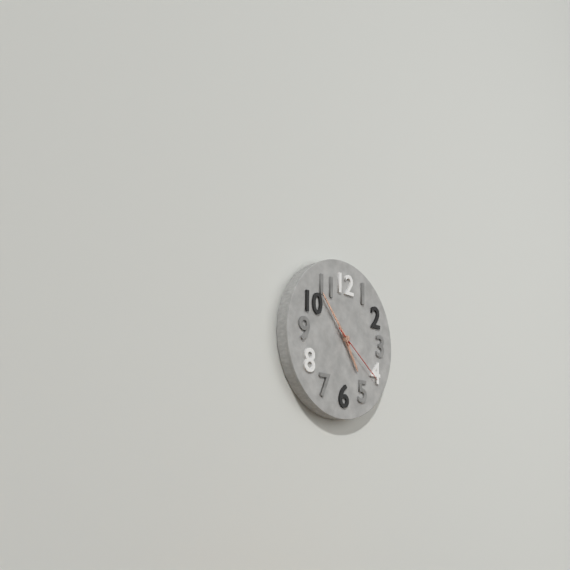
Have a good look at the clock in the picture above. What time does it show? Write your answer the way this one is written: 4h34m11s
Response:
4h53m21s
